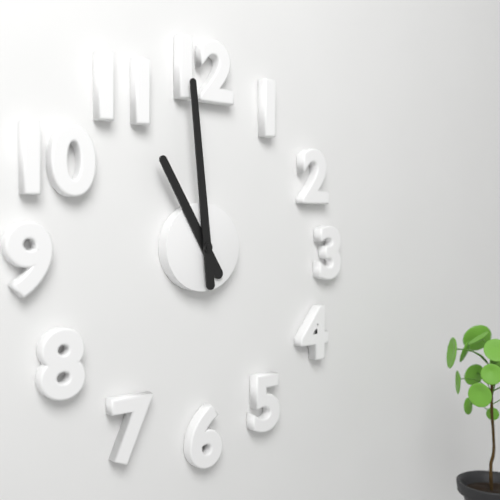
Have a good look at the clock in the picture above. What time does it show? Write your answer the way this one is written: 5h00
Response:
10h59
